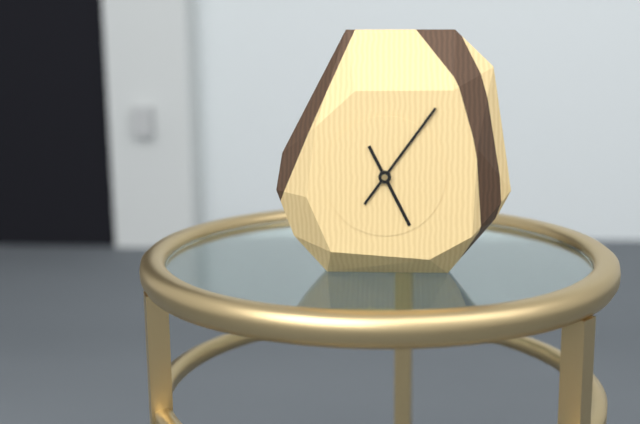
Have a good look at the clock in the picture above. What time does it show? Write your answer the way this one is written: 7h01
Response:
5h06
